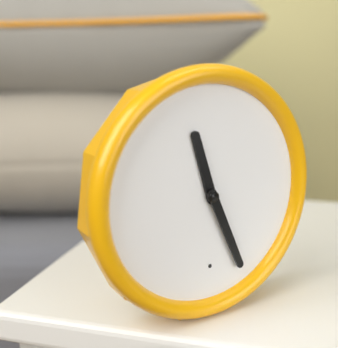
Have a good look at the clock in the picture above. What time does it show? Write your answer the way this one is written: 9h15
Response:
11h26
